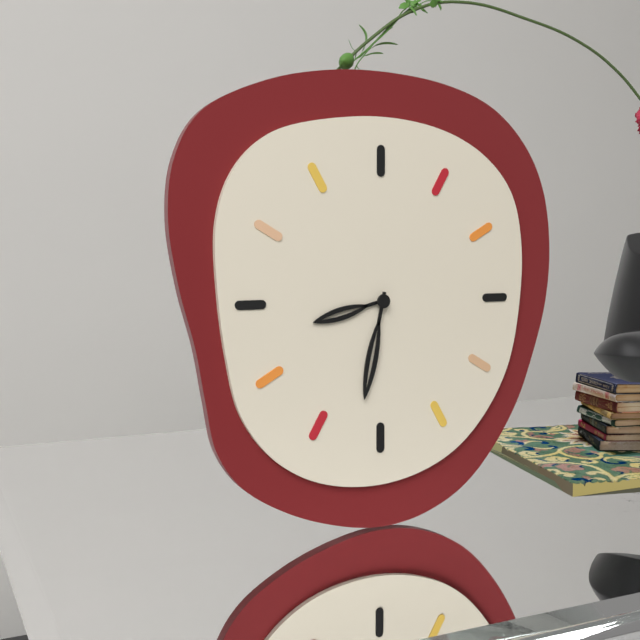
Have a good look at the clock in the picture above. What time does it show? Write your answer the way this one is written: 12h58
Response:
8h32
